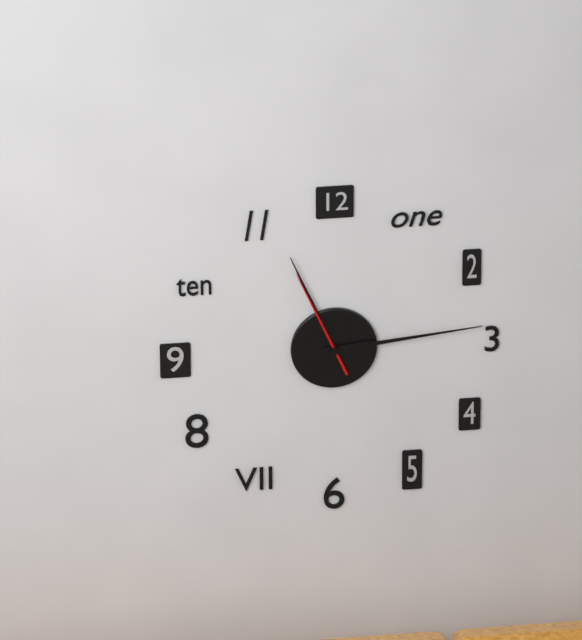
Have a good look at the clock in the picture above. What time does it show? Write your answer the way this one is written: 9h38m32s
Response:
11h14m56s
